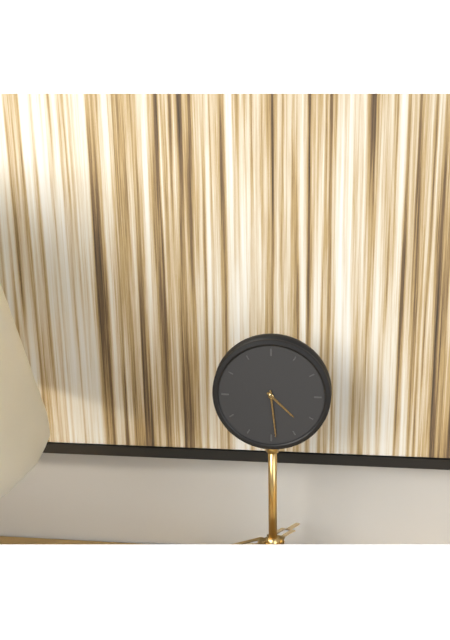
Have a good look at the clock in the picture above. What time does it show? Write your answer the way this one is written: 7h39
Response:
4h29
